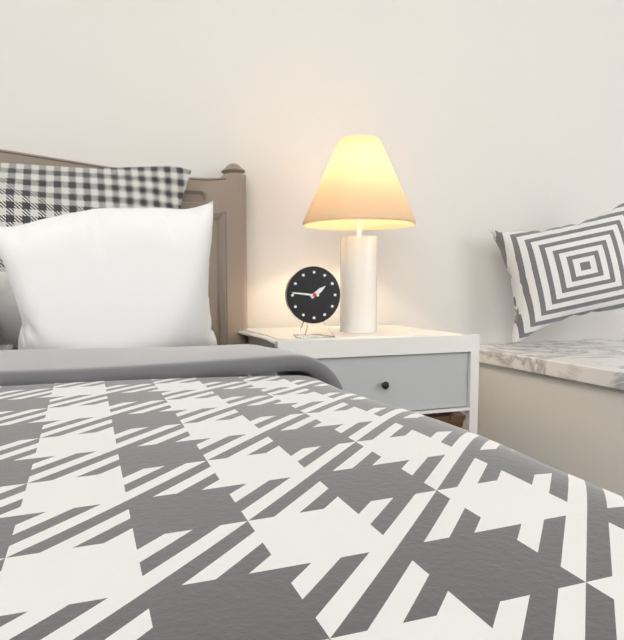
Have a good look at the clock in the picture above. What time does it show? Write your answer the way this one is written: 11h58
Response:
1h46
